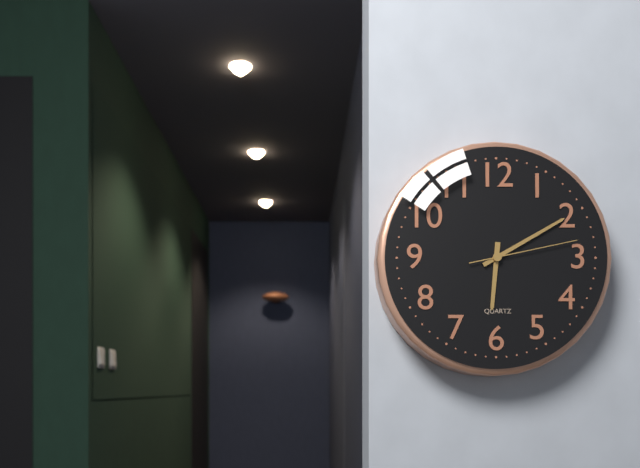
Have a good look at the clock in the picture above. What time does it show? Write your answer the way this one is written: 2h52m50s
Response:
6h10m13s
